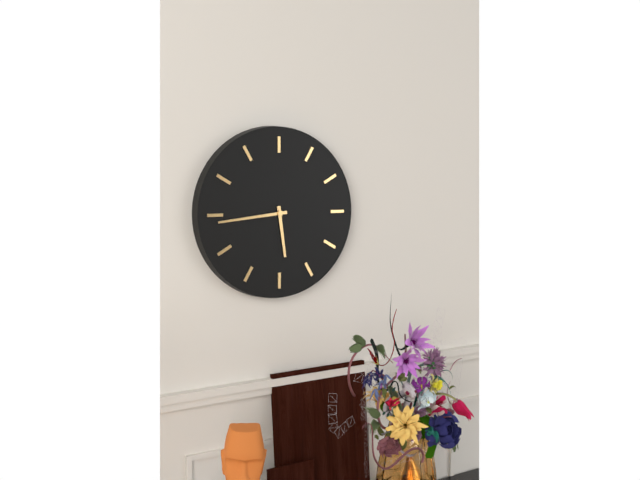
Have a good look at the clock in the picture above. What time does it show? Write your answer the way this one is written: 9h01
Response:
5h44
